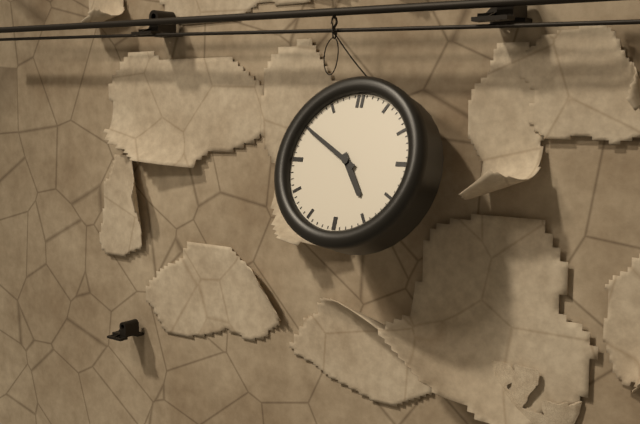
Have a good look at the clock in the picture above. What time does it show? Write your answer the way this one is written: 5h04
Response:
4h50
